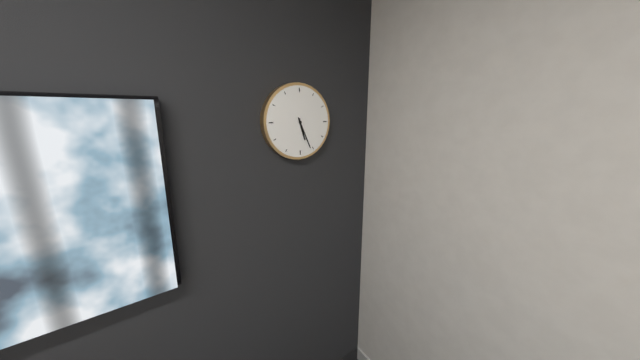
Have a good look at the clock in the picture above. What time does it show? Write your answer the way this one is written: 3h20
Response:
5h26
